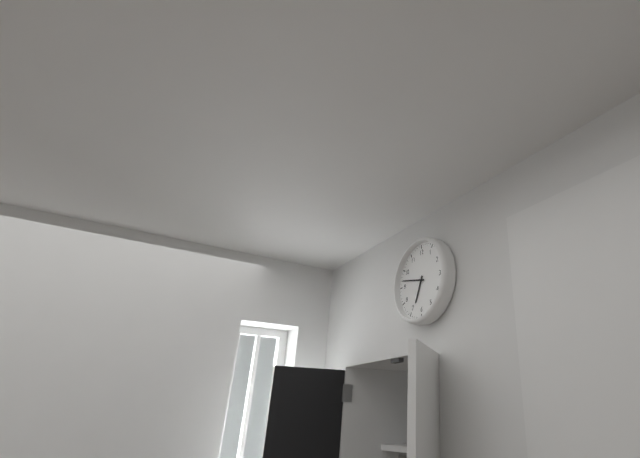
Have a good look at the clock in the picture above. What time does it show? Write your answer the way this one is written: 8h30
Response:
6h47
